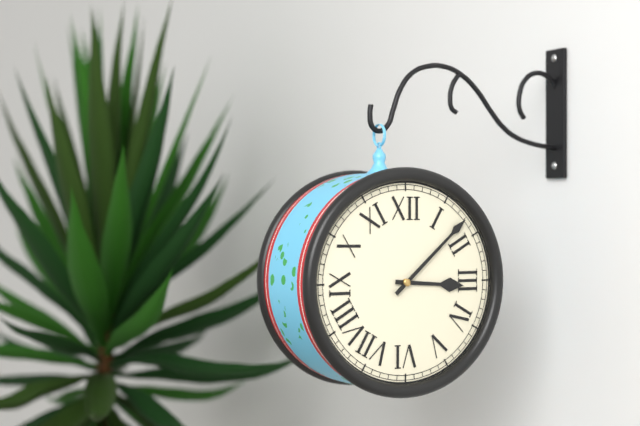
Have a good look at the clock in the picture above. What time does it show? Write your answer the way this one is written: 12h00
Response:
3h08
